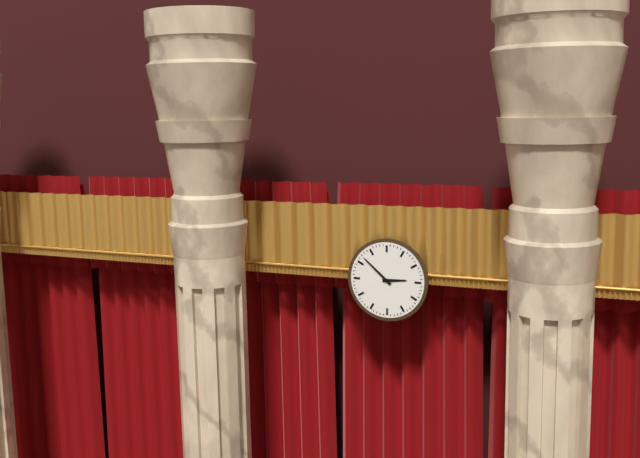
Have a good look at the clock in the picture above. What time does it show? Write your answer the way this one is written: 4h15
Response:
2h52
